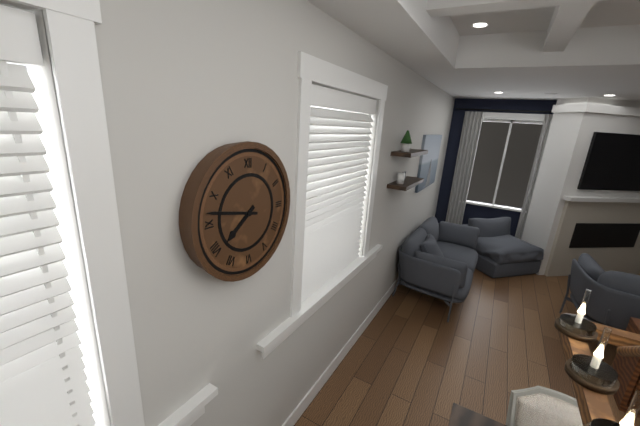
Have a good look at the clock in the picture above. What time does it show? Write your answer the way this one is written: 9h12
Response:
7h47
